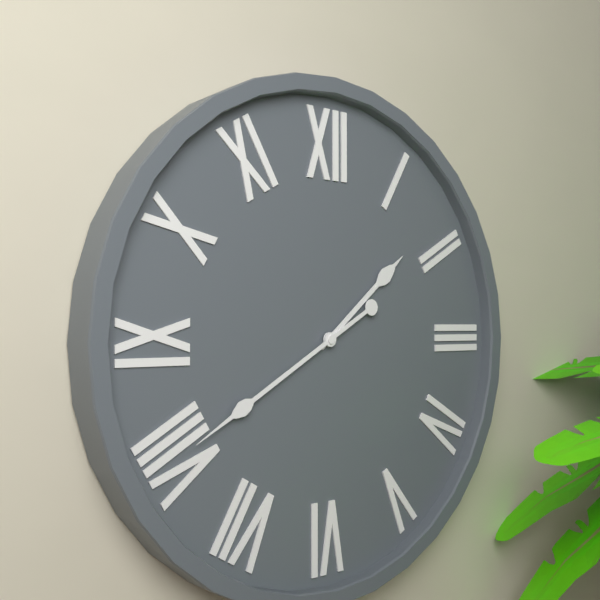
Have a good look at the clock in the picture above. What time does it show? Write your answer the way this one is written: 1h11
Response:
1h40
